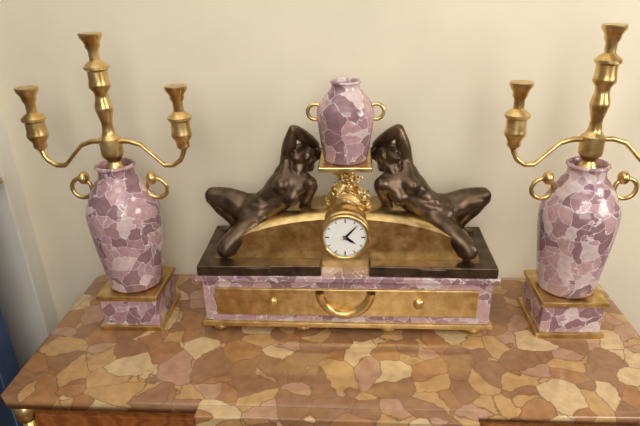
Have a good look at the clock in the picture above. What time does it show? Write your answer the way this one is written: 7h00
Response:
4h07
